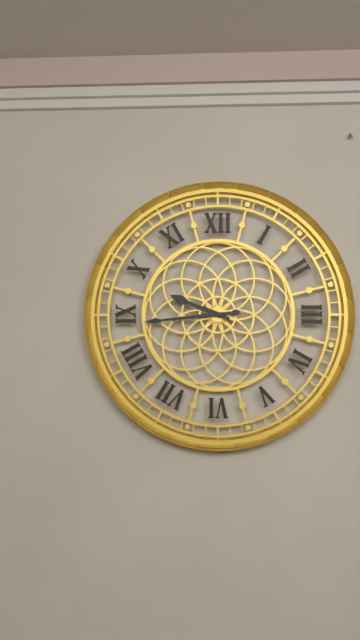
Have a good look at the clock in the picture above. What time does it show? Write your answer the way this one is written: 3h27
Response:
9h44
